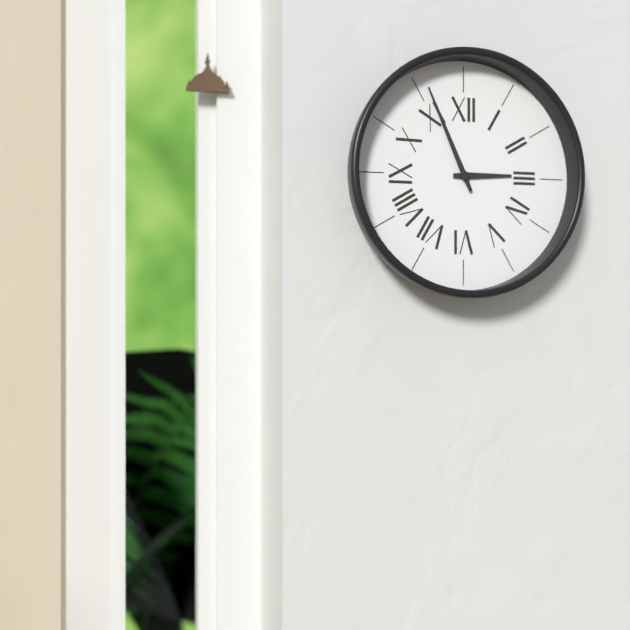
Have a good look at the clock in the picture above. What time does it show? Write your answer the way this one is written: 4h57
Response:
2h56
